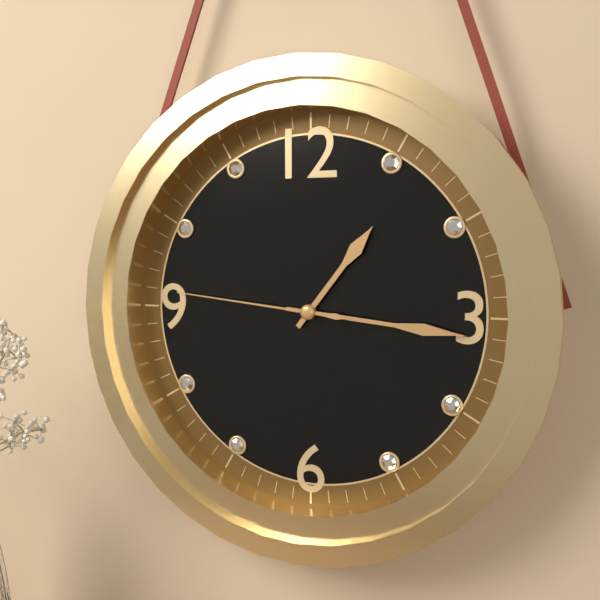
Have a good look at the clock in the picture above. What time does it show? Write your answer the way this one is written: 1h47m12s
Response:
1h16m46s
